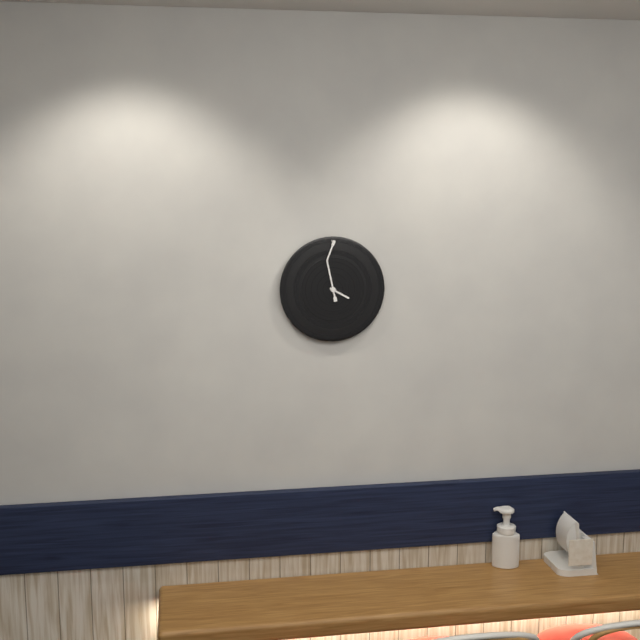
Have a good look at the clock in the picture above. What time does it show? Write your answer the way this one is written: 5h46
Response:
3h58
